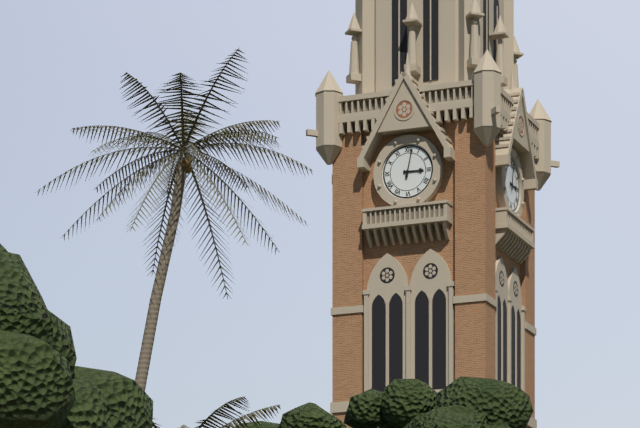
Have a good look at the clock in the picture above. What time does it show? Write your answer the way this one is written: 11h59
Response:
3h02
